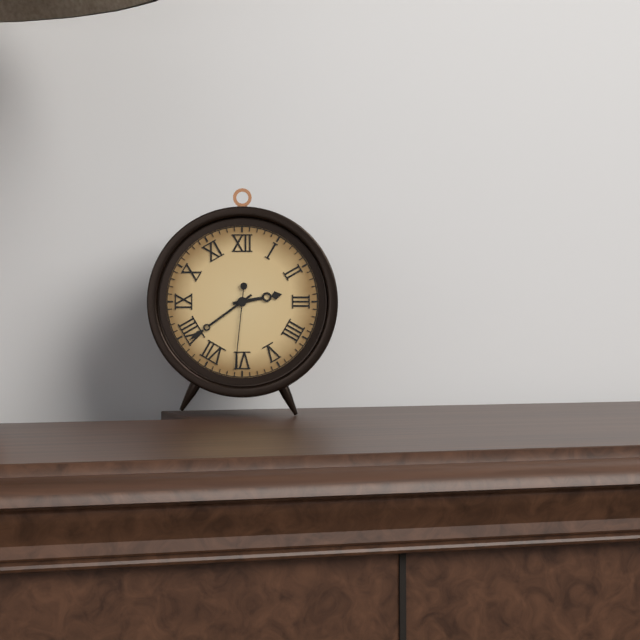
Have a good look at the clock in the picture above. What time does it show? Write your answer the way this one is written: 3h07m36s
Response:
2h39m31s
